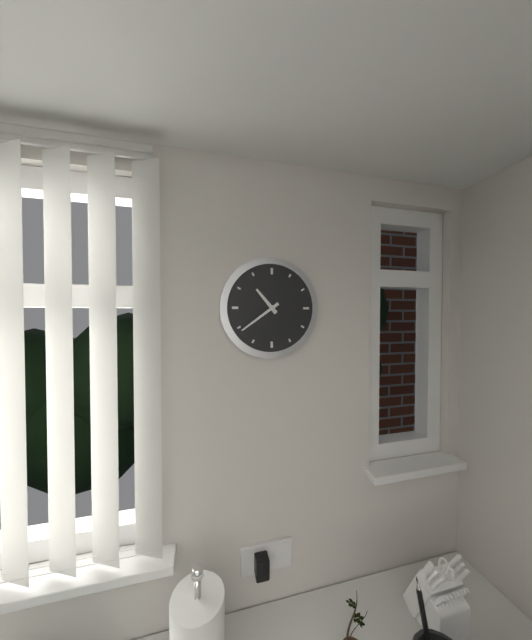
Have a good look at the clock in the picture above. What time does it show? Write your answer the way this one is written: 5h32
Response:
10h39
